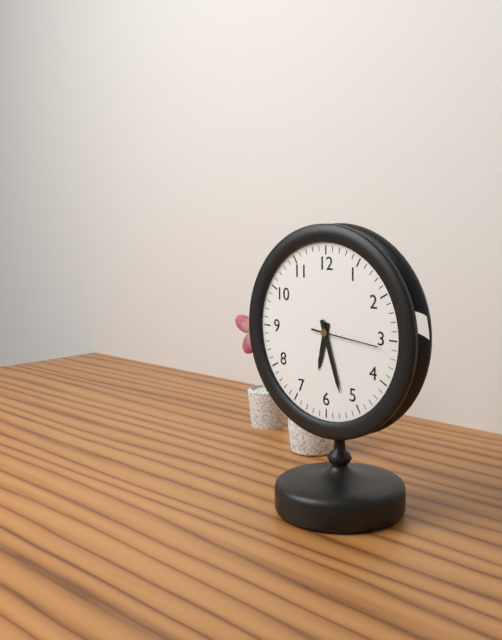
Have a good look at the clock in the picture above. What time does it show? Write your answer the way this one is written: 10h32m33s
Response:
6h27m16s
